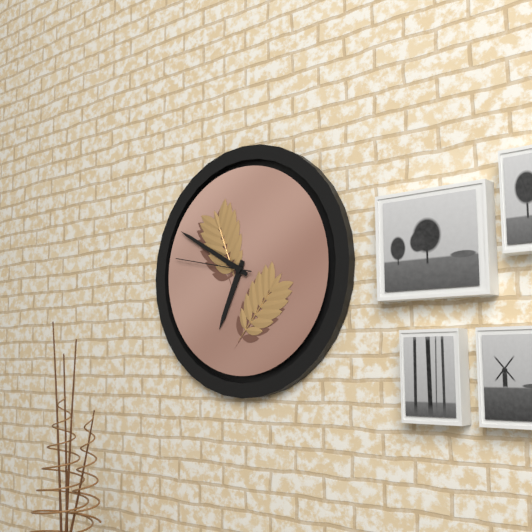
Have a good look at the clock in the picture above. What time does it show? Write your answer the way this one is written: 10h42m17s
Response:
6h50m47s
